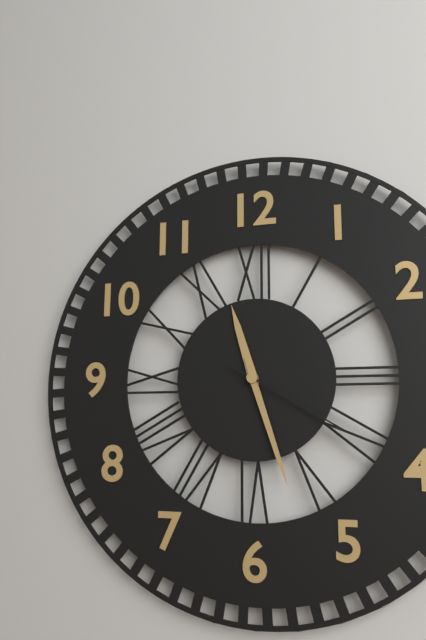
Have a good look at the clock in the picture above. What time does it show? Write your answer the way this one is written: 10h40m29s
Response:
11h27m20s
